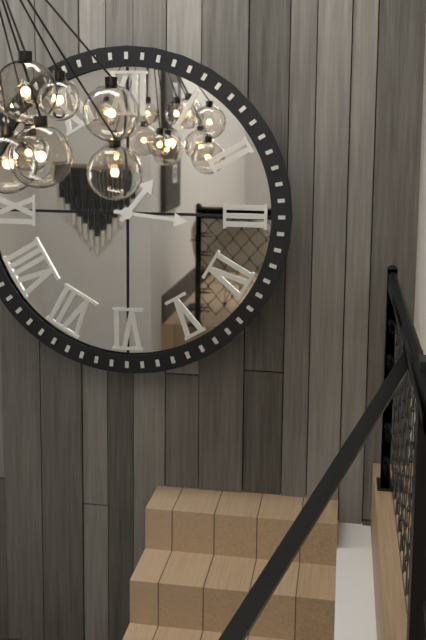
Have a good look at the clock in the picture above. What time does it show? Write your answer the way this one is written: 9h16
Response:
1h16
